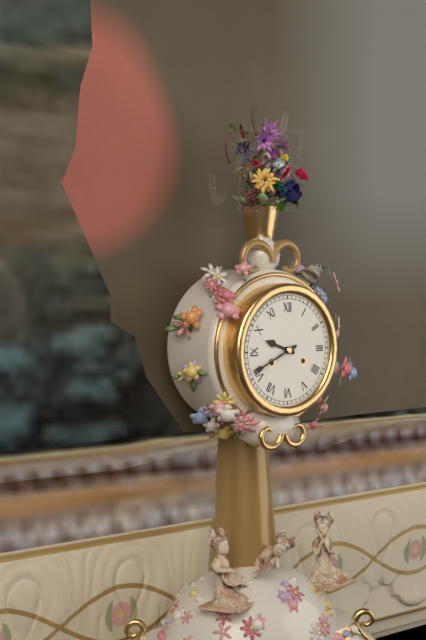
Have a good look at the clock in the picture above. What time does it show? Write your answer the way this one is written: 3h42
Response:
9h41
